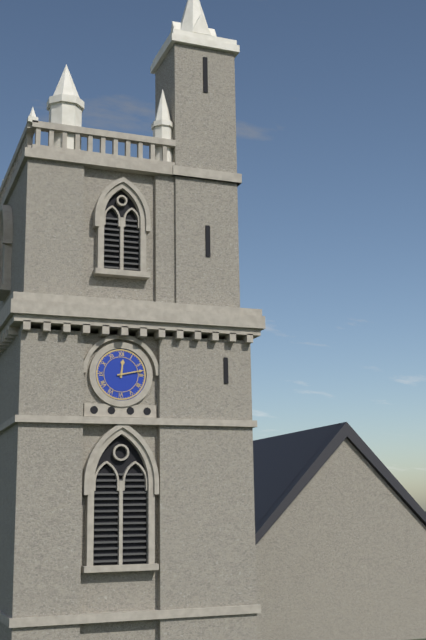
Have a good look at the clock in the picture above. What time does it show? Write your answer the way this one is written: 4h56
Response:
12h13
